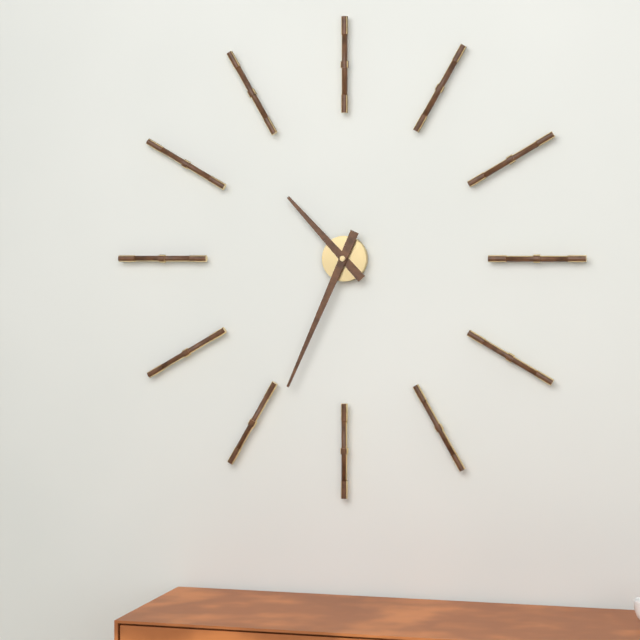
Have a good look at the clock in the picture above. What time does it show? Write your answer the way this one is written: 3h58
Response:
10h34
